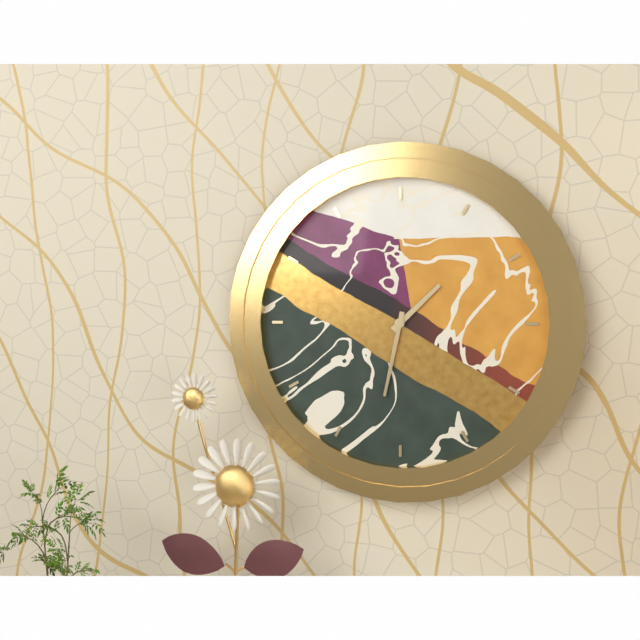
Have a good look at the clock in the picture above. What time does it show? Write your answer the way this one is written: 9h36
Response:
1h32
